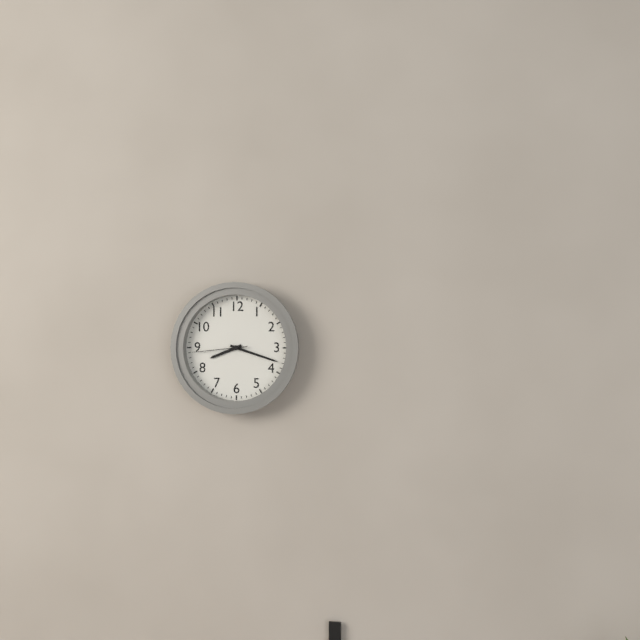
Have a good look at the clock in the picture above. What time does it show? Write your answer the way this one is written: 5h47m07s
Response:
8h18m44s
